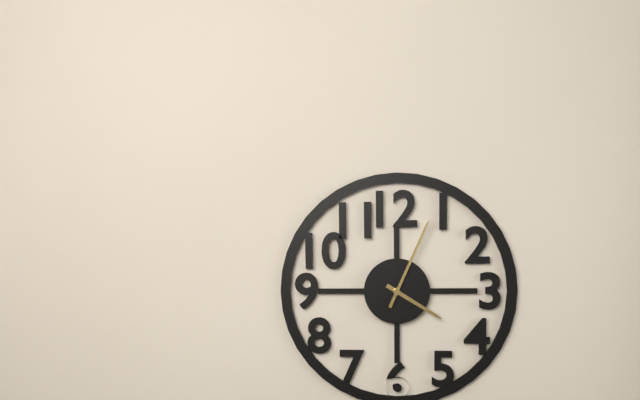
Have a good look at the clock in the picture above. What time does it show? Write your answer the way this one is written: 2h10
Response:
4h04
